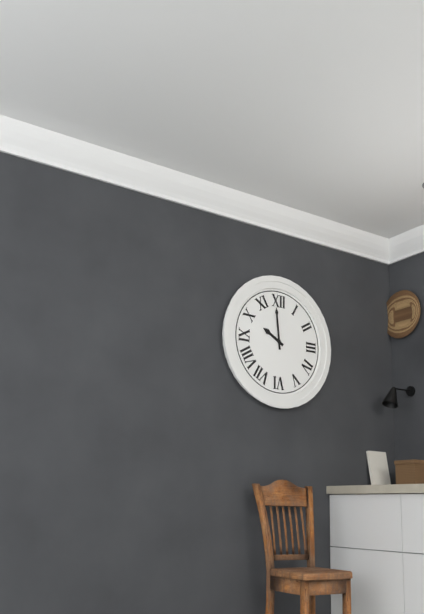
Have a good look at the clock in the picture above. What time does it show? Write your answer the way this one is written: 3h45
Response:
9h59
